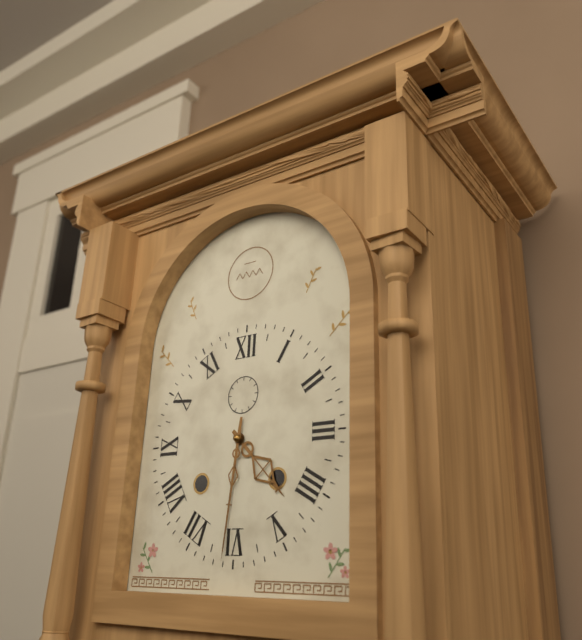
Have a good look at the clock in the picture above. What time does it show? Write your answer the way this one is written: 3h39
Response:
4h31
